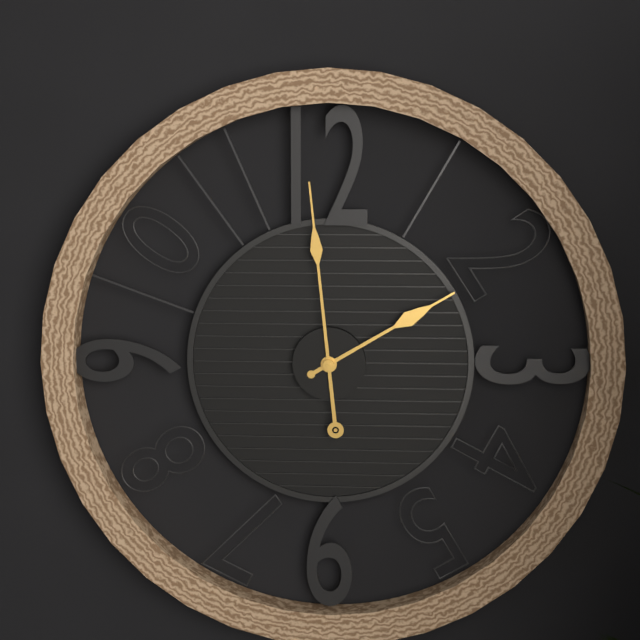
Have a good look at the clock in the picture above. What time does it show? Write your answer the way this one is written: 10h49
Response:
1h59
